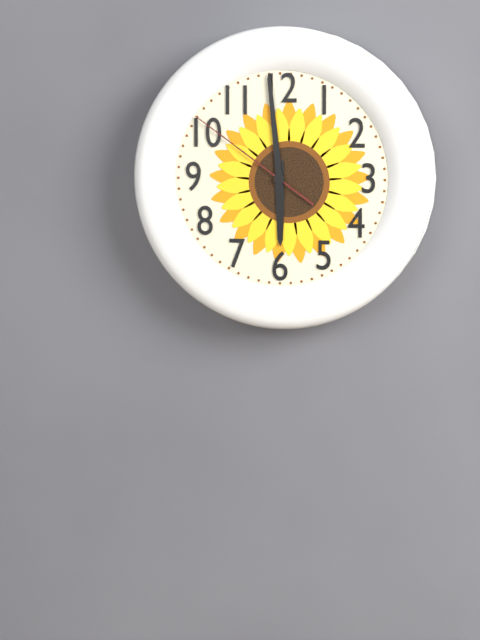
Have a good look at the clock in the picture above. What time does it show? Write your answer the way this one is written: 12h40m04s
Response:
5h59m51s
